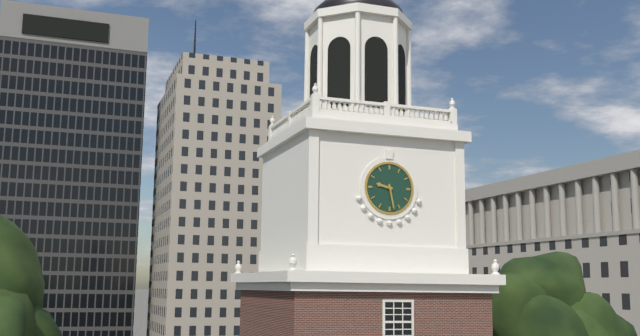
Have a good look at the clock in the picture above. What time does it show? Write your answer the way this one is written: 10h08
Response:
9h28
